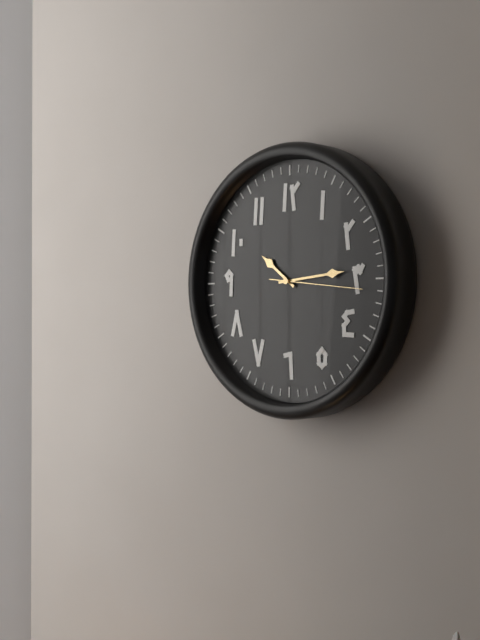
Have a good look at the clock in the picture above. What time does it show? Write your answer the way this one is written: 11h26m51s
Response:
10h14m16s
